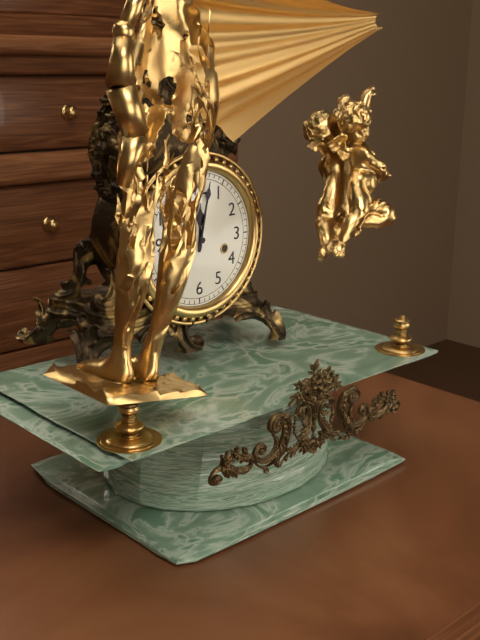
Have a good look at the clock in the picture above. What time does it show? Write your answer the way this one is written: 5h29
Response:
12h02
